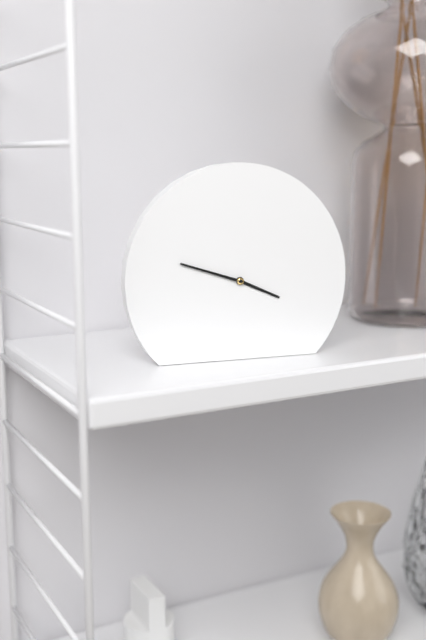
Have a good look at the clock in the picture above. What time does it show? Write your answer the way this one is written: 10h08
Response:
3h48
